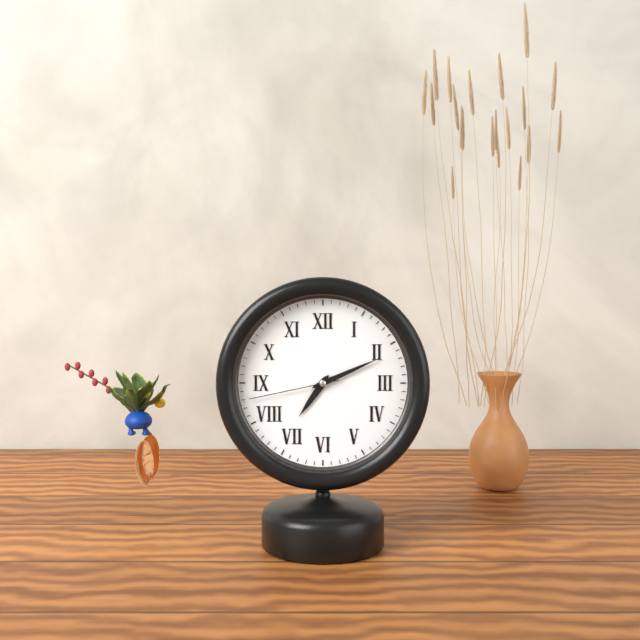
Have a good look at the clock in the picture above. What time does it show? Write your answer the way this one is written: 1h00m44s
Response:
7h11m43s
